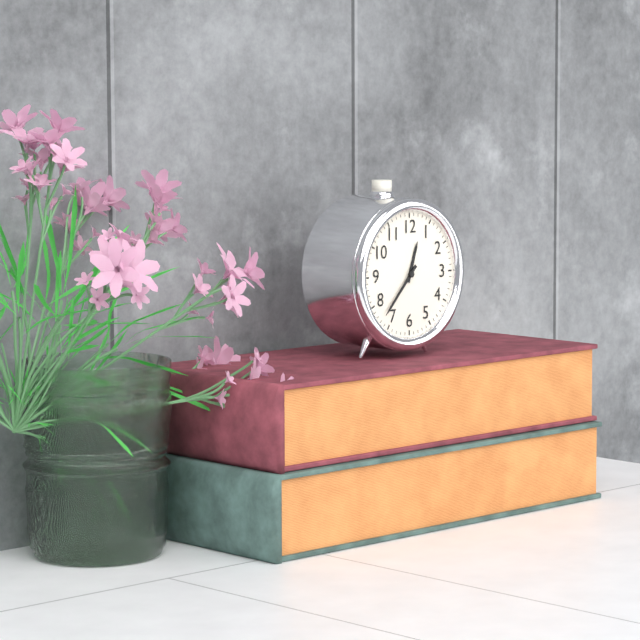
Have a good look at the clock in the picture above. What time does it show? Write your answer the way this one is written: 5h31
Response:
12h37
